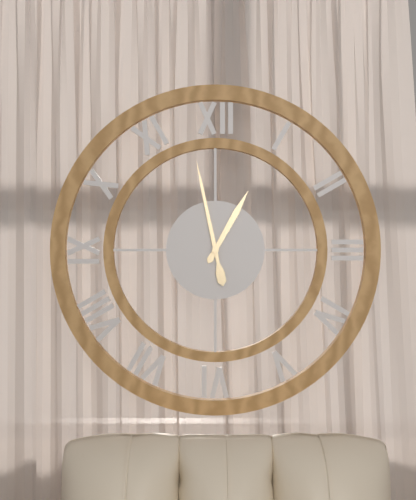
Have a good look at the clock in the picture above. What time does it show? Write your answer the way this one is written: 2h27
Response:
12h58
